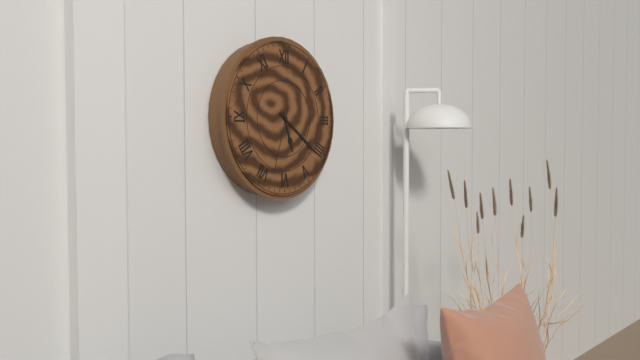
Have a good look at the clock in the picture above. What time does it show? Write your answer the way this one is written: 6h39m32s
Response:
5h21m33s
